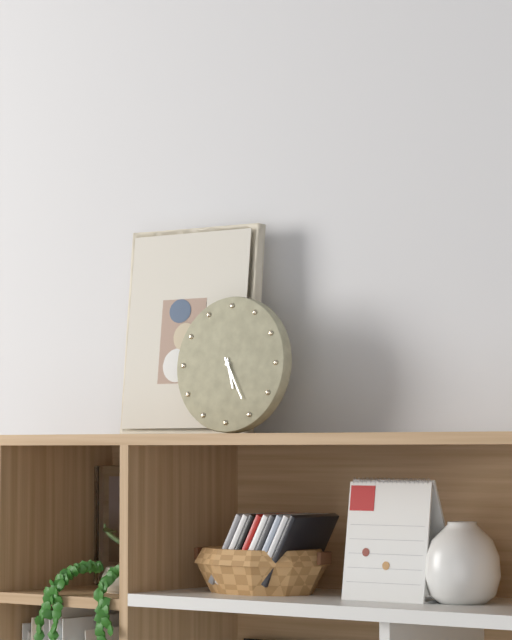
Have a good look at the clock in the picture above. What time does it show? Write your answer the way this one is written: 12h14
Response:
5h25
